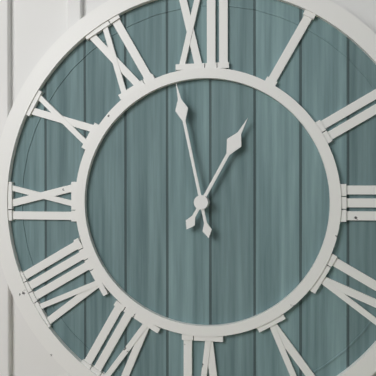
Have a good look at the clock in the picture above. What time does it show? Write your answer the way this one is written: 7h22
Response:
12h58
